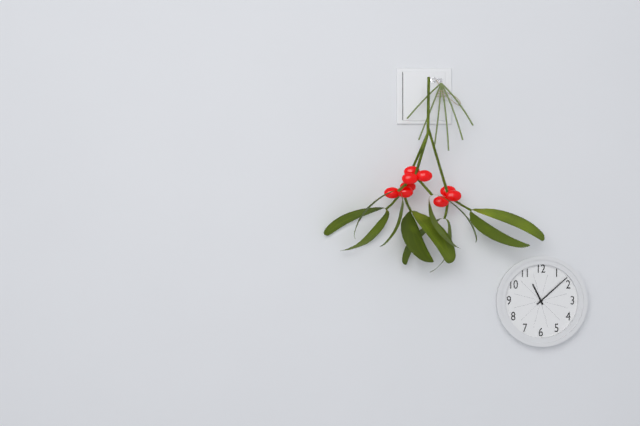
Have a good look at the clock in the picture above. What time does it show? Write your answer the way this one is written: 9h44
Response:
11h08
